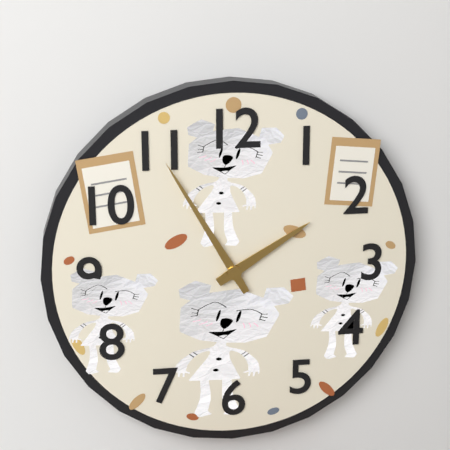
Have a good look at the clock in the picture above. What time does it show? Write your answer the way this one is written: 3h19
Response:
1h55
